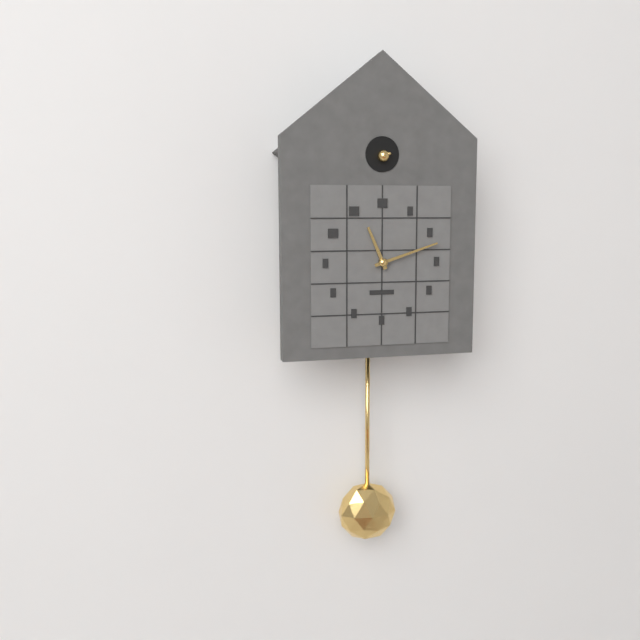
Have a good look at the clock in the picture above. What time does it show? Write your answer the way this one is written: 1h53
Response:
11h12
